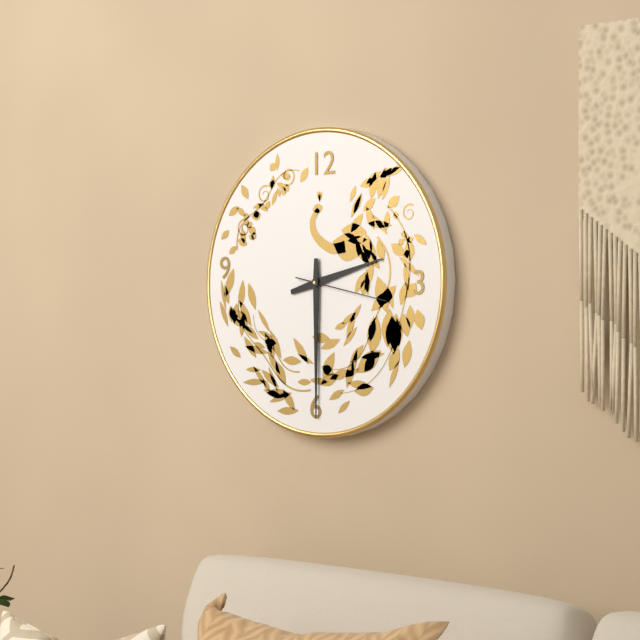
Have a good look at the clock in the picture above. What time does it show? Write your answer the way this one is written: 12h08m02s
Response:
2h30m17s
